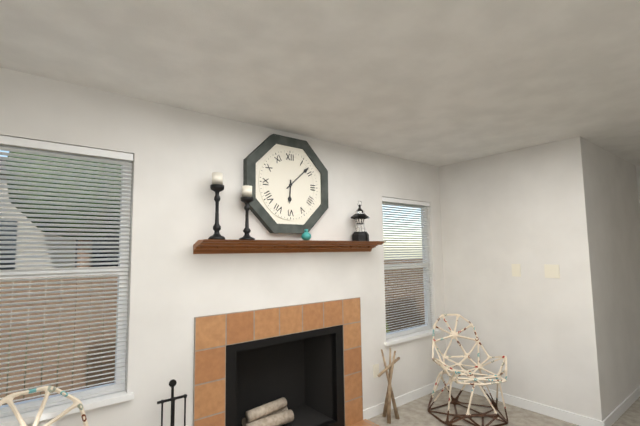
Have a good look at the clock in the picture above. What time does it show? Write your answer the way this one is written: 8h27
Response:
6h08
